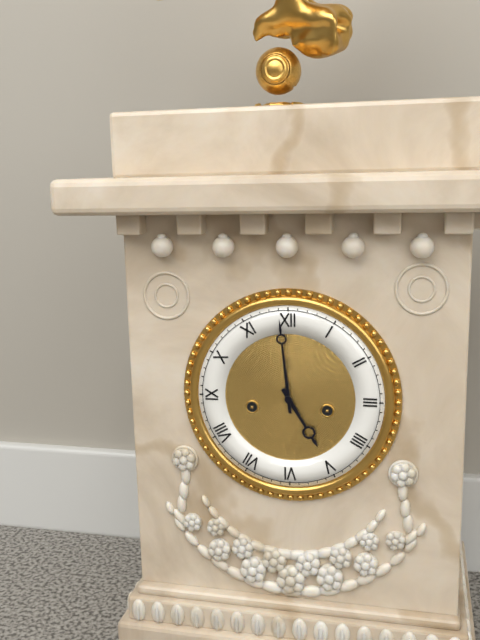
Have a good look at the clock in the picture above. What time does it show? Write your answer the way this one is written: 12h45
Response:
4h59
